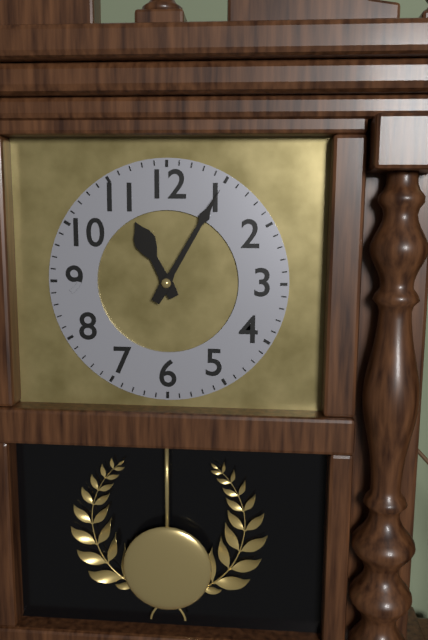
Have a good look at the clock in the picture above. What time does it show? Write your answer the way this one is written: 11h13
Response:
11h05
